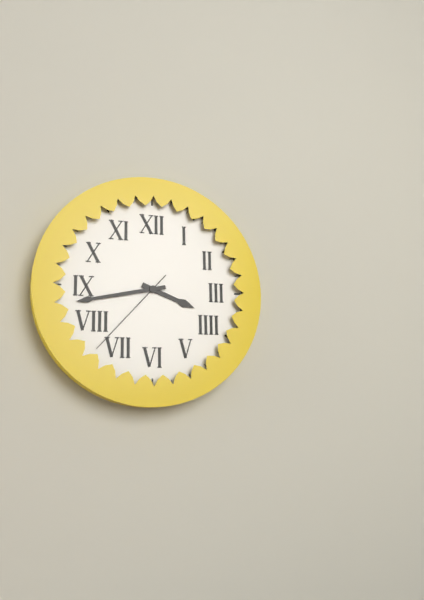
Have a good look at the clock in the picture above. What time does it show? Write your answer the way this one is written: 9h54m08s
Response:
3h43m37s
